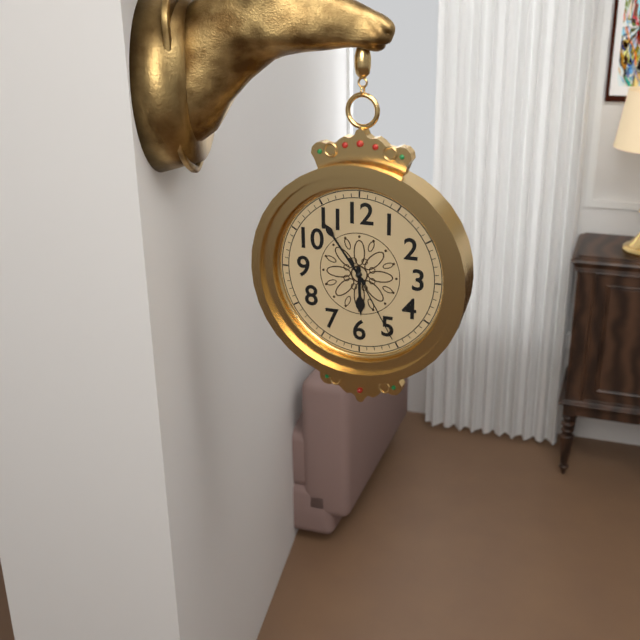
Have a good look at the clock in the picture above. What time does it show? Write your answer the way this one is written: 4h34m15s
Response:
5h54m25s
